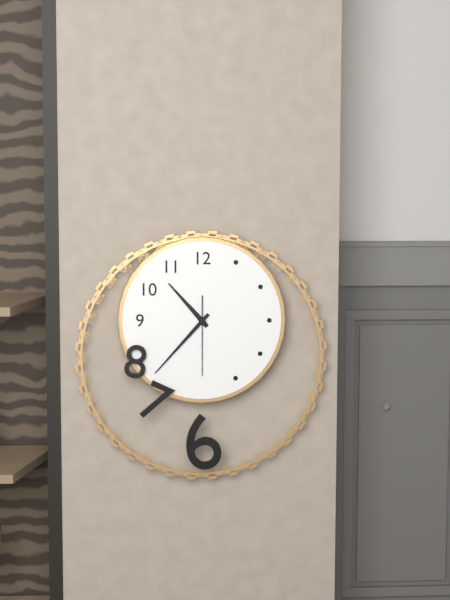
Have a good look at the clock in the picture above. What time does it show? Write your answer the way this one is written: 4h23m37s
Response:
10h37m30s
